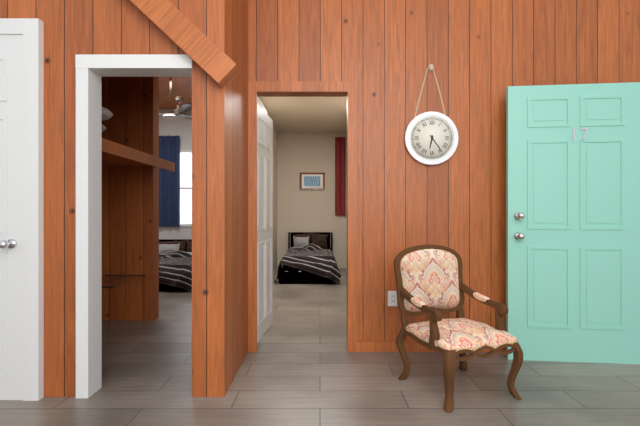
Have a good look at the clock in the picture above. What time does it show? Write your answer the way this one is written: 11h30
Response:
6h24
